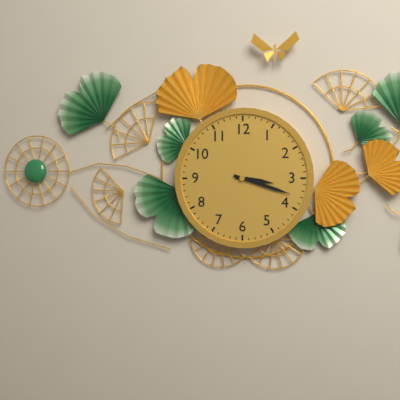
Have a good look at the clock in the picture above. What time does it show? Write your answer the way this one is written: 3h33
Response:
3h18
